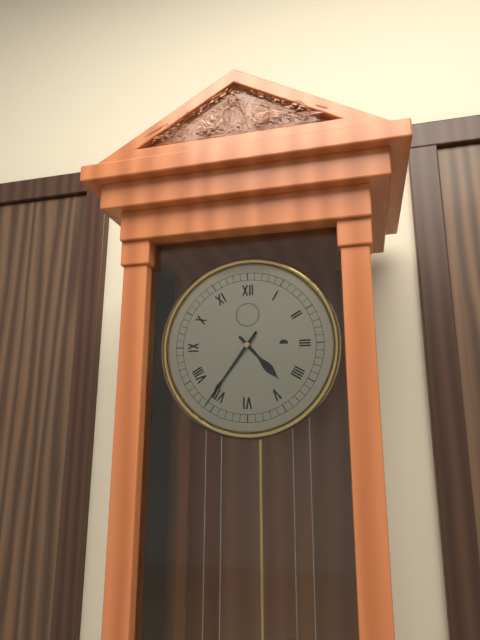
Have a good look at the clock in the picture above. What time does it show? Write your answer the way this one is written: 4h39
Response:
4h36
